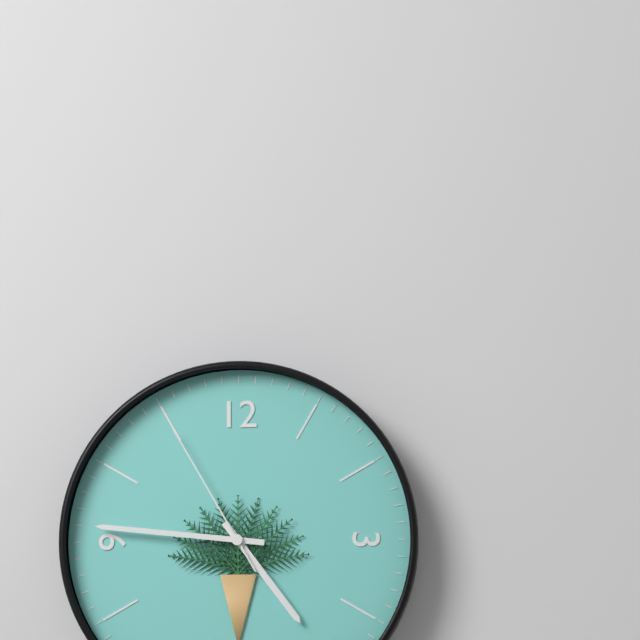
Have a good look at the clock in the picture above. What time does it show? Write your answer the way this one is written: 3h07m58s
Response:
4h46m55s
